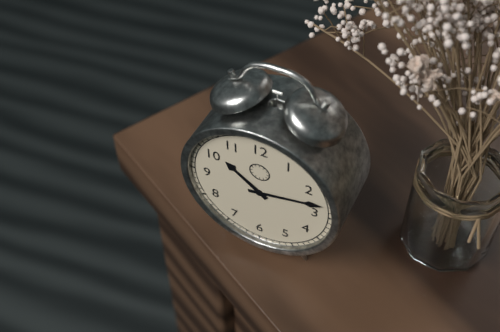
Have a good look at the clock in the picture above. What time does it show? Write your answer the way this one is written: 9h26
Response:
10h13
